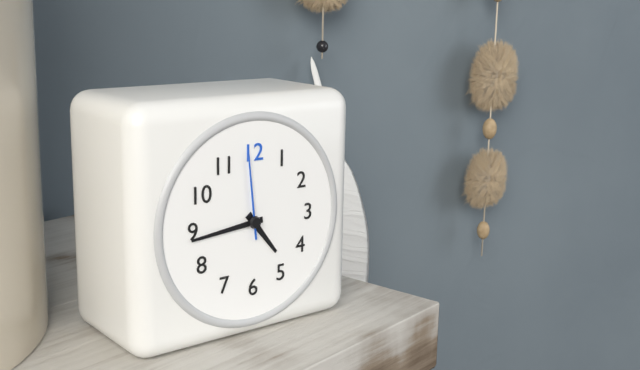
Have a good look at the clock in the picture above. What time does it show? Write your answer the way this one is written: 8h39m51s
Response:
4h44m59s
